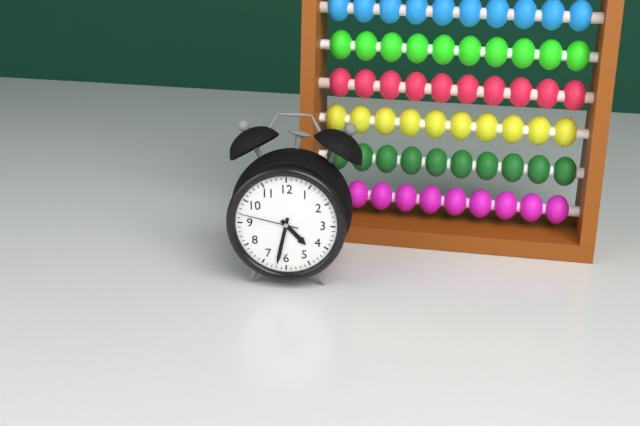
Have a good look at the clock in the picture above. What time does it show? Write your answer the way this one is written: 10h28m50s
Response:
4h32m47s
